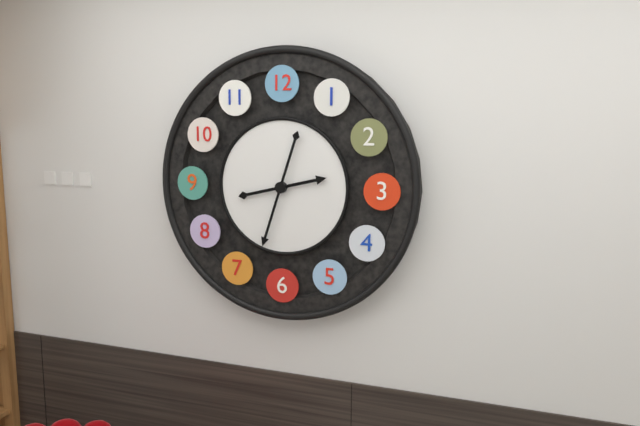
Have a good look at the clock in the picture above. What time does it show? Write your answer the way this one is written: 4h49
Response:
2h33
